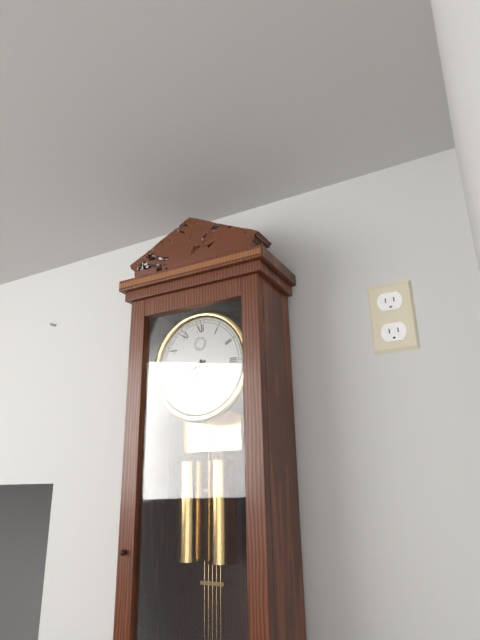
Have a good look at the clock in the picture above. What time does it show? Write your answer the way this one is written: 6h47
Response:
6h41
